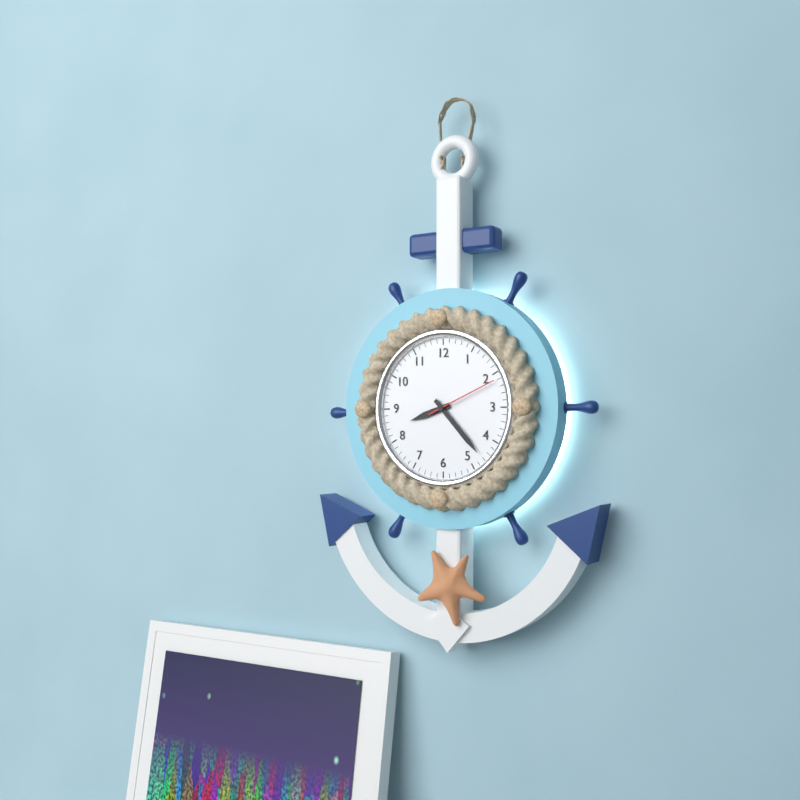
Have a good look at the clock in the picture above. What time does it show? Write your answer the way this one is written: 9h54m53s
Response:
8h23m11s
